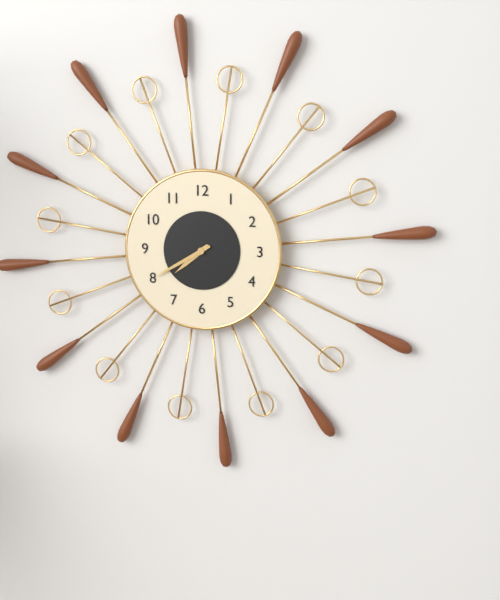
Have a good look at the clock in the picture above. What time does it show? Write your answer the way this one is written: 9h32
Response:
7h40
